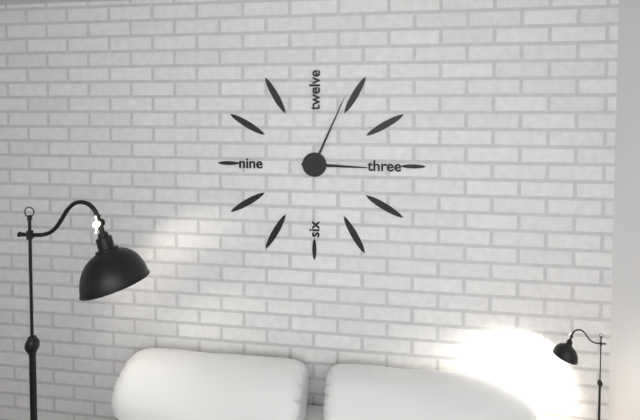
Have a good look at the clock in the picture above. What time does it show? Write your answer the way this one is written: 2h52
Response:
3h04
